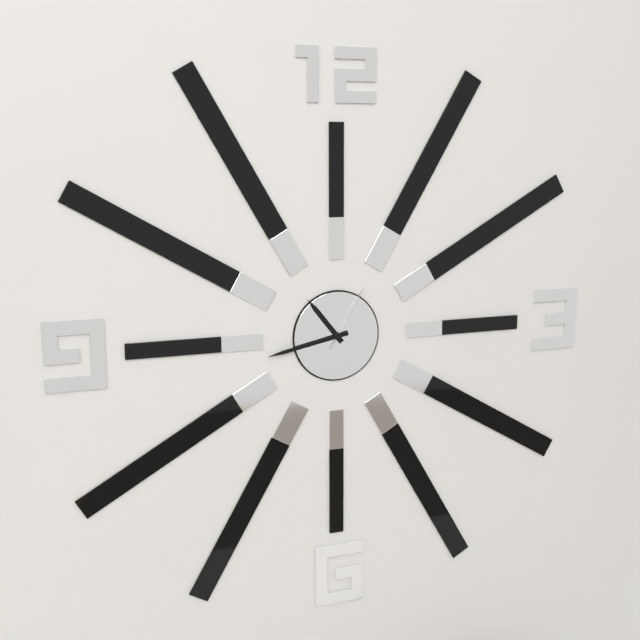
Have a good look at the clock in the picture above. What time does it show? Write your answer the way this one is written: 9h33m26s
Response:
10h43m05s
